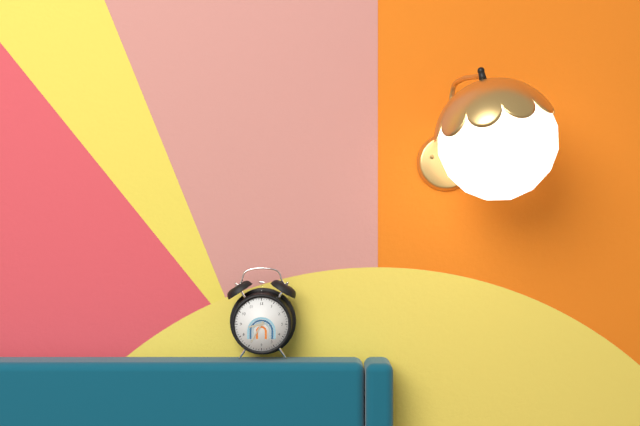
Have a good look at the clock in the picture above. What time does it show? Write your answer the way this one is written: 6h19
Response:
8h35
